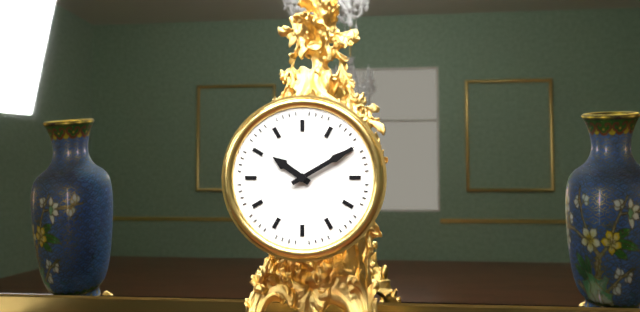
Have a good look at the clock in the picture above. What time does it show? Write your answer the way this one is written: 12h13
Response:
10h10
